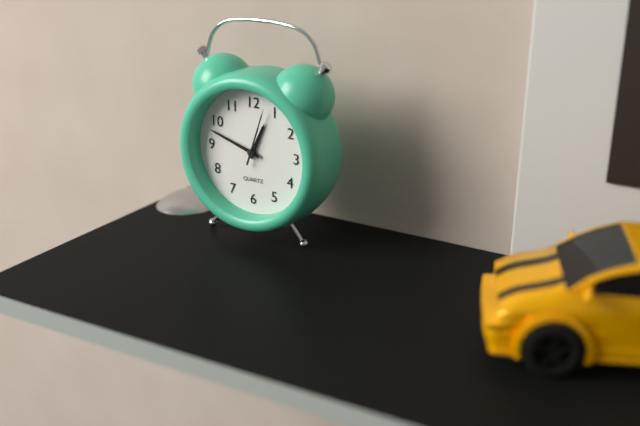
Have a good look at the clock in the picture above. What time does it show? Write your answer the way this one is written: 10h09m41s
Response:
12h48m03s
